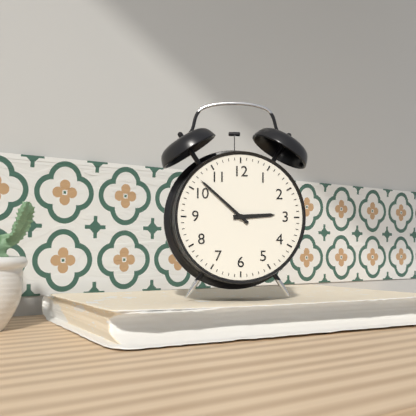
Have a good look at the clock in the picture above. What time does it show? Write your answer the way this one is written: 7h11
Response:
2h52
